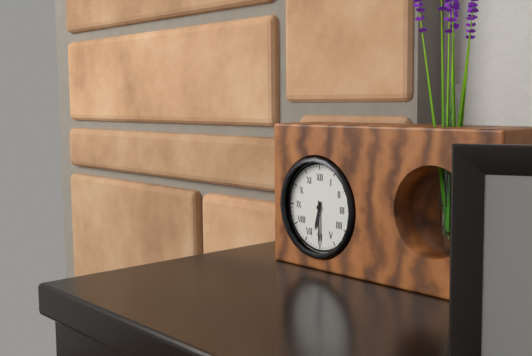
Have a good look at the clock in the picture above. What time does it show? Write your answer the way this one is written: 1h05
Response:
6h30
